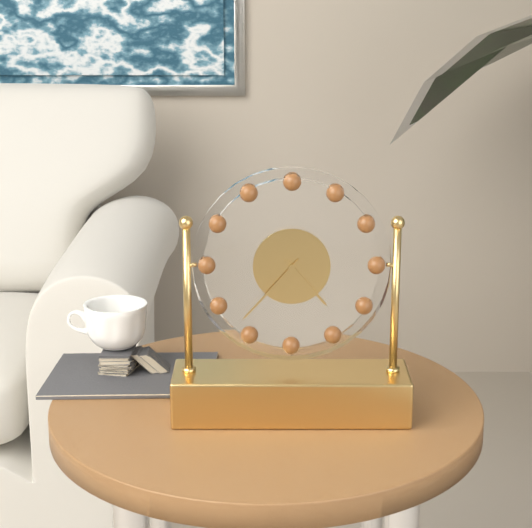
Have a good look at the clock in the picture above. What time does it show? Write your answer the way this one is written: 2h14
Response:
4h37
